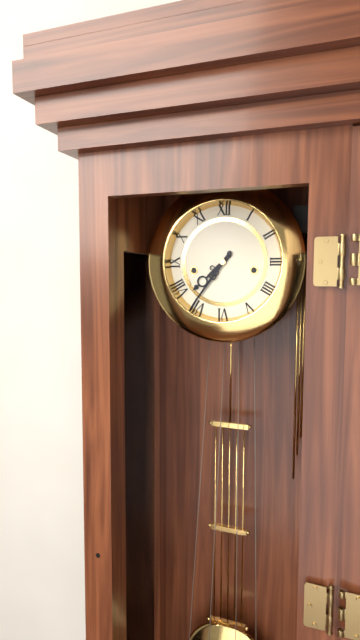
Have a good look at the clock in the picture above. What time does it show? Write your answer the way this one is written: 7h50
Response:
7h36
